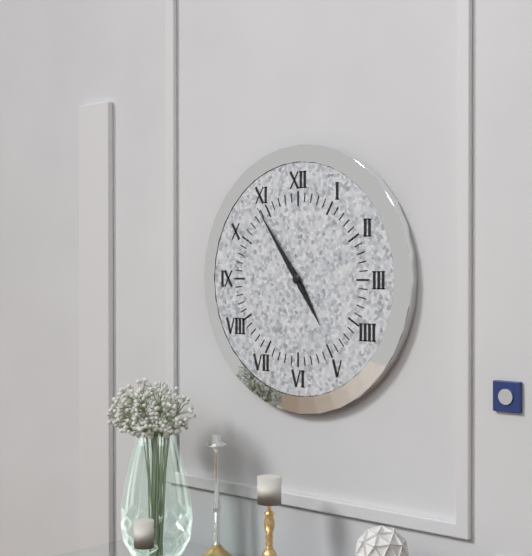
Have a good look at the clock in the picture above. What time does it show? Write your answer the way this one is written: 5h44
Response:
4h54
